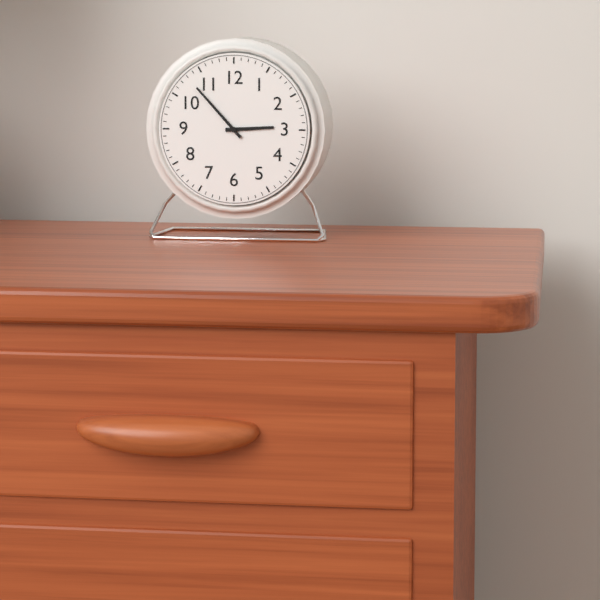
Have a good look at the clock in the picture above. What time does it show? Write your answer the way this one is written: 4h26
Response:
2h53
